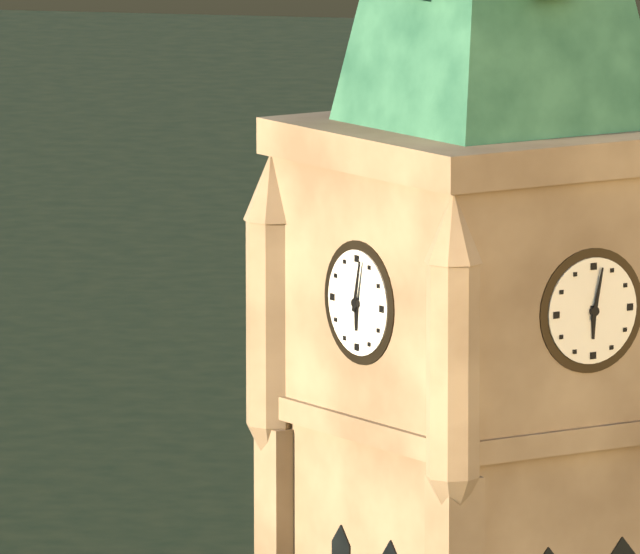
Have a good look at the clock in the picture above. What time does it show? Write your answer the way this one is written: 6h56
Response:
6h02
